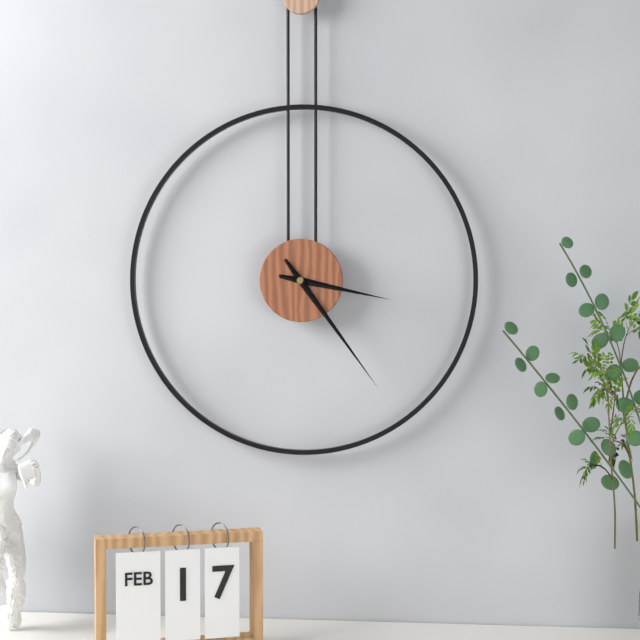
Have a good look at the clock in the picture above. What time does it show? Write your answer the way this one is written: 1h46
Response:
3h24
